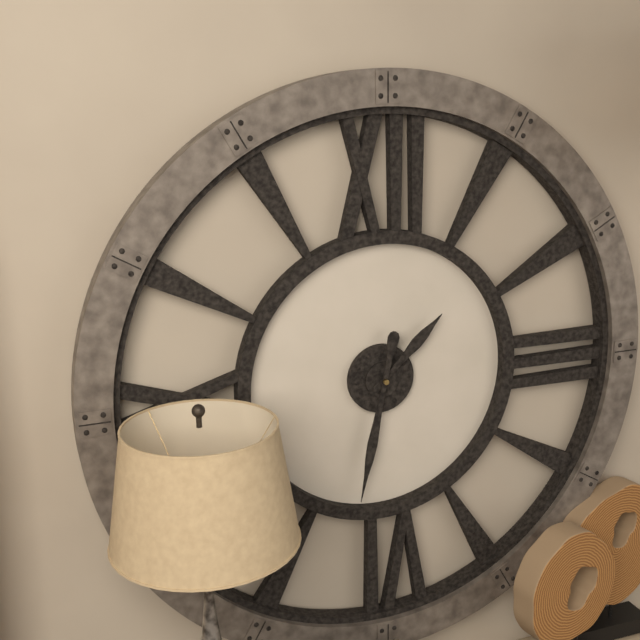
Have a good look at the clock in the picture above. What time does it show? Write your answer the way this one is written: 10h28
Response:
1h32
